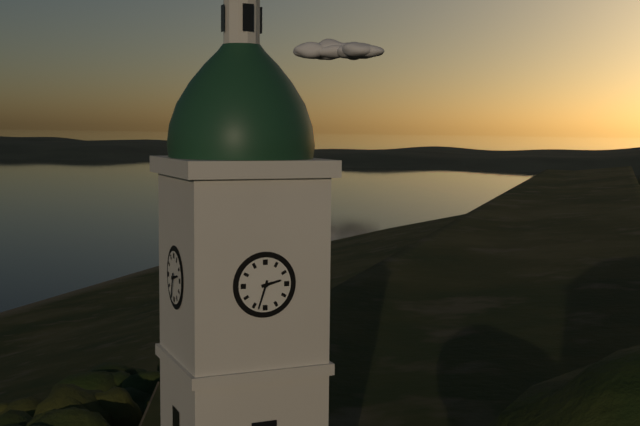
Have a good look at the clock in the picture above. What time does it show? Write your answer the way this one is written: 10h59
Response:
2h33
